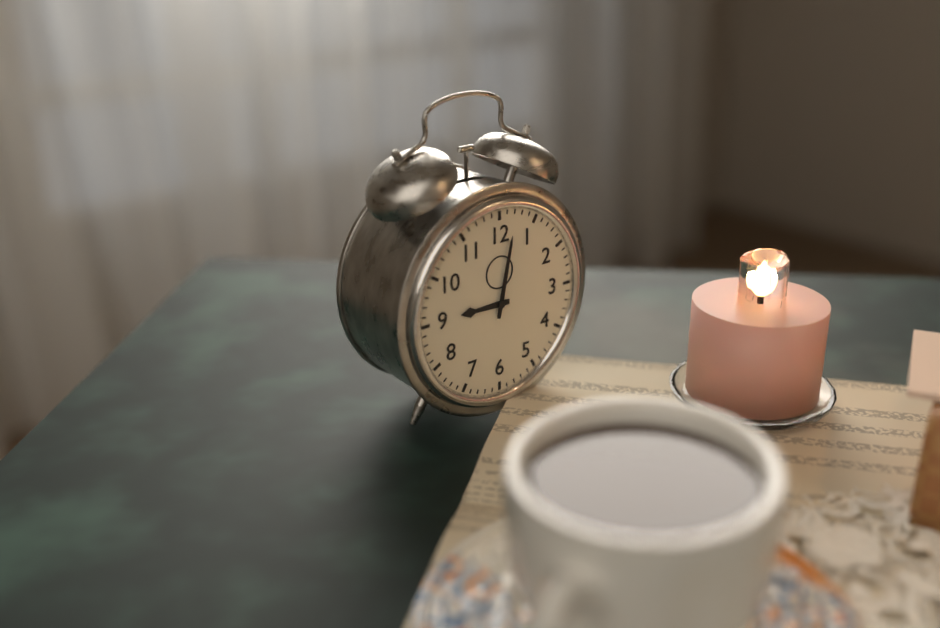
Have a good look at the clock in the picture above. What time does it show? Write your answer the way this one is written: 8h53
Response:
9h02
